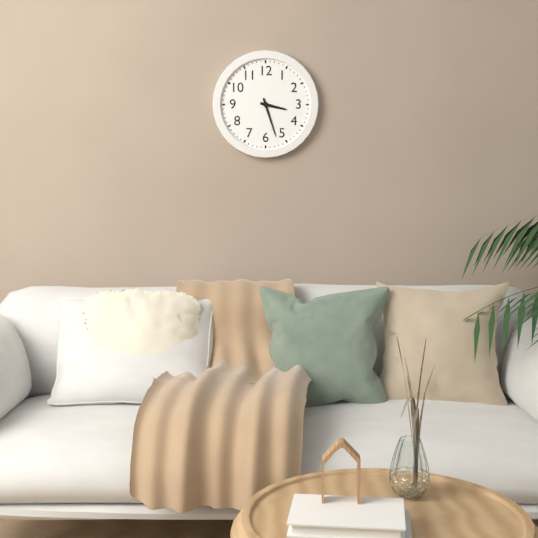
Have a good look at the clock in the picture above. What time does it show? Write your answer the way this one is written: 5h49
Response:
3h27
